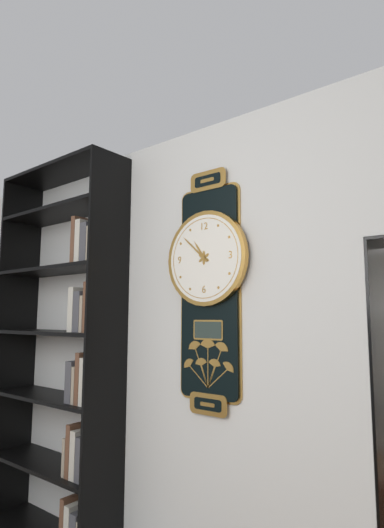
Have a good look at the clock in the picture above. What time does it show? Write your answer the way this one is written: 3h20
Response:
10h52
